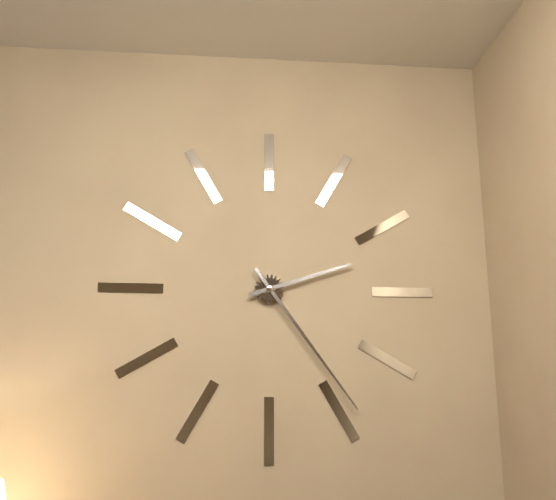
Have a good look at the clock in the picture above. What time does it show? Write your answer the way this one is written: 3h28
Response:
2h24
